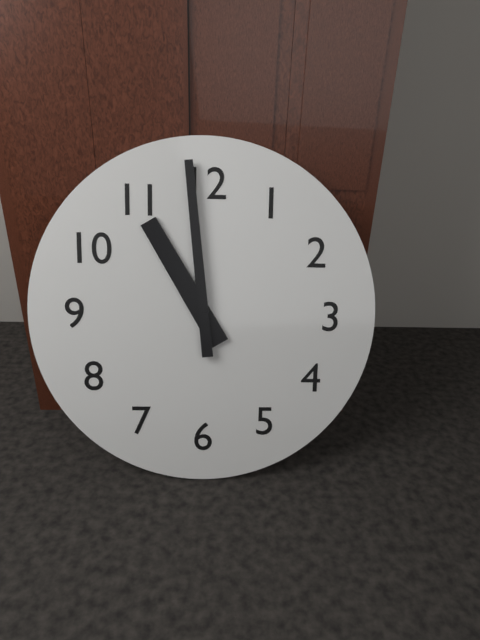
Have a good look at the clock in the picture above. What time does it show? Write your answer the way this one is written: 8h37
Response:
10h59
